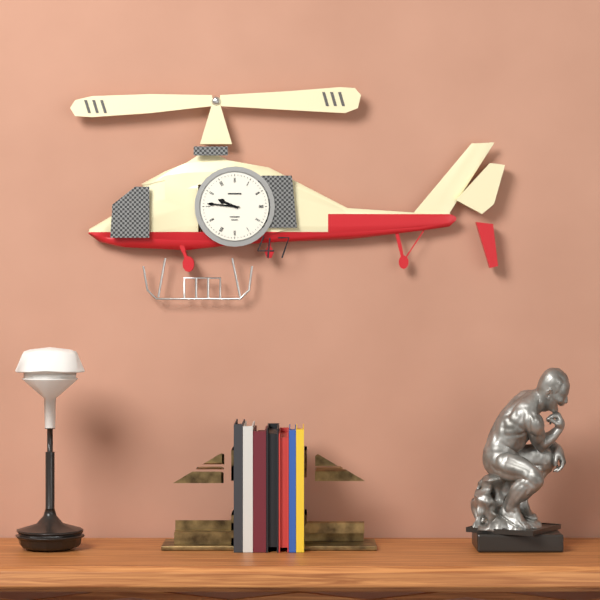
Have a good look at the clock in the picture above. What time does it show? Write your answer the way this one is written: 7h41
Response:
9h46
